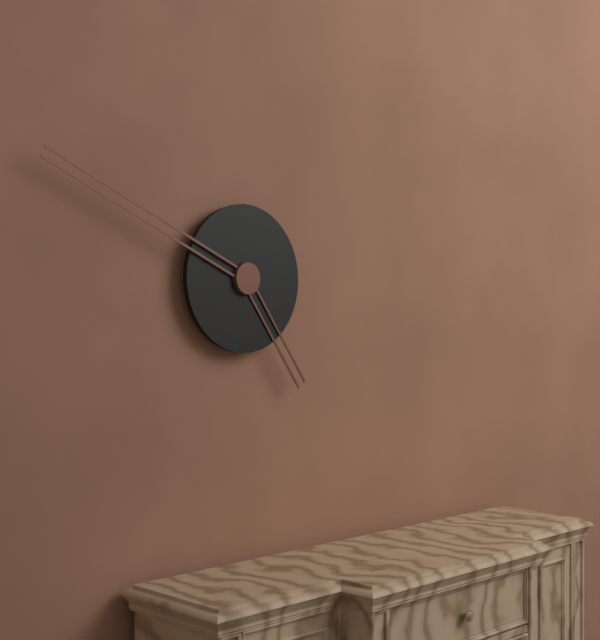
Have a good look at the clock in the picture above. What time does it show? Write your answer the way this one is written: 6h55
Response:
4h49
